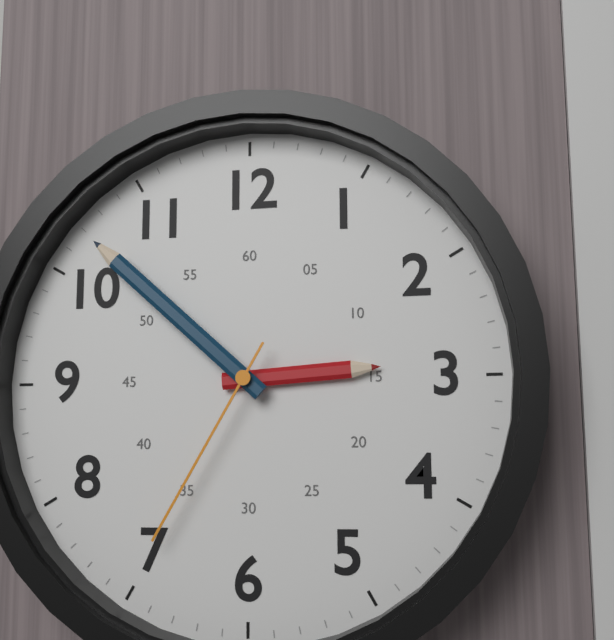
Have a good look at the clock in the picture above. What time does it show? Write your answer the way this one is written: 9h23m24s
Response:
2h52m35s
